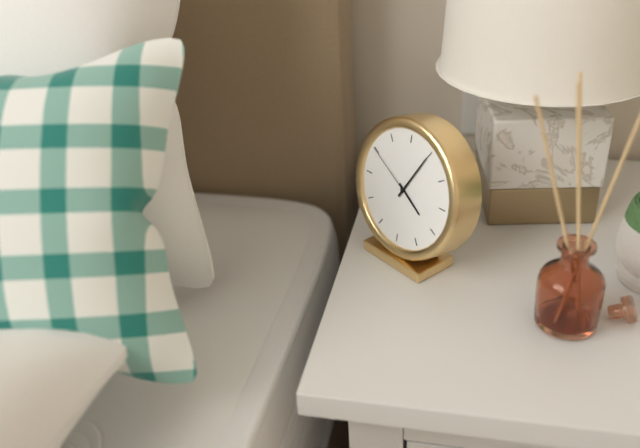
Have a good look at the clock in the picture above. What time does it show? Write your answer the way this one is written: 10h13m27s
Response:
4h05m50s
